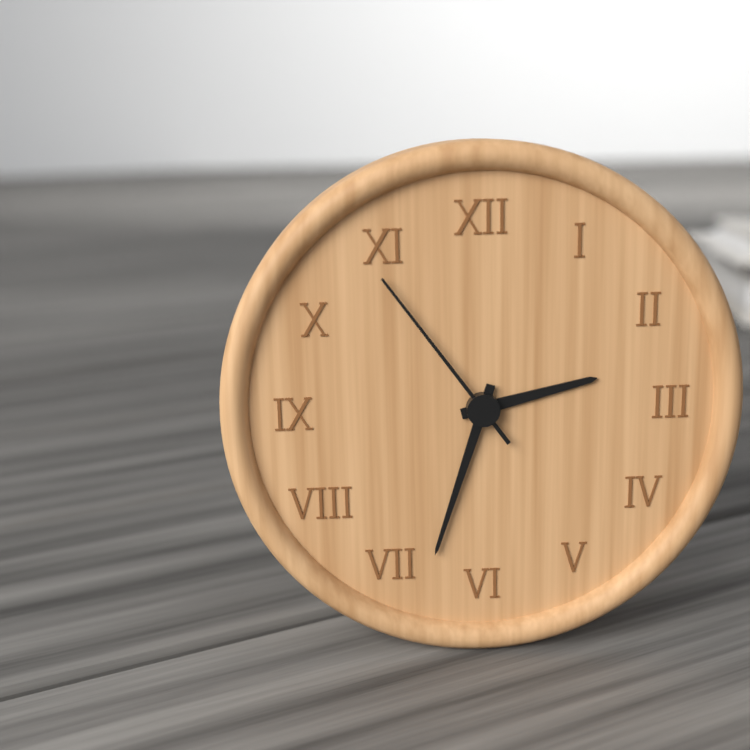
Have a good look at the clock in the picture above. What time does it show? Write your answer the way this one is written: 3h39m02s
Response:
2h33m54s
